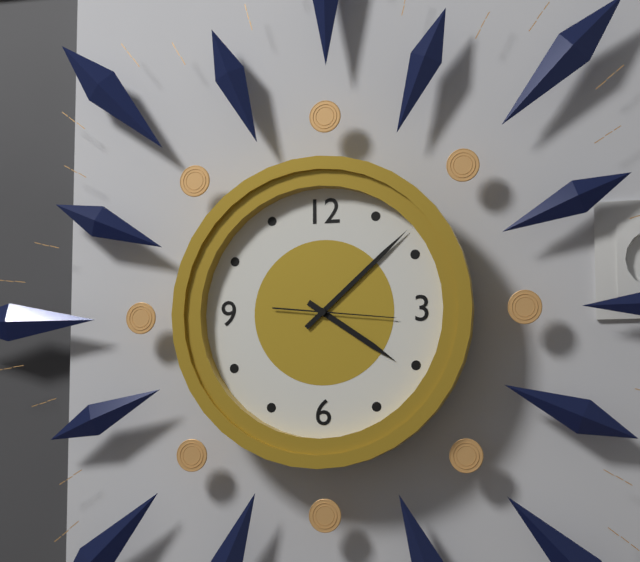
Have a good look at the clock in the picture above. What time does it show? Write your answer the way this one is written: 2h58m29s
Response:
4h08m16s
